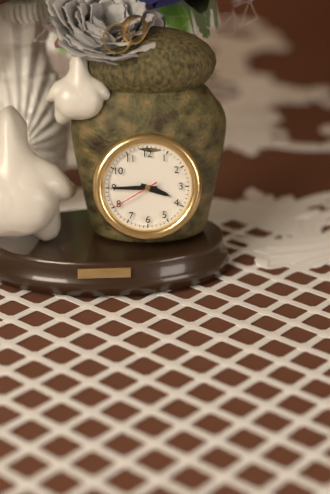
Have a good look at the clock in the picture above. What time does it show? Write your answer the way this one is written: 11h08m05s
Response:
3h45m40s
